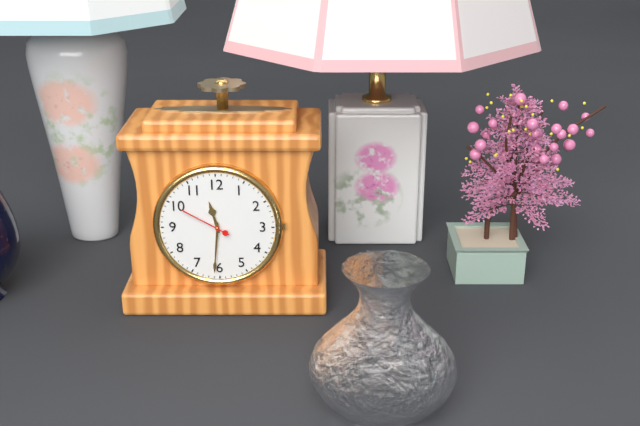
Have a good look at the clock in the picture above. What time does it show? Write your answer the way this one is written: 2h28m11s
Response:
11h31m50s
